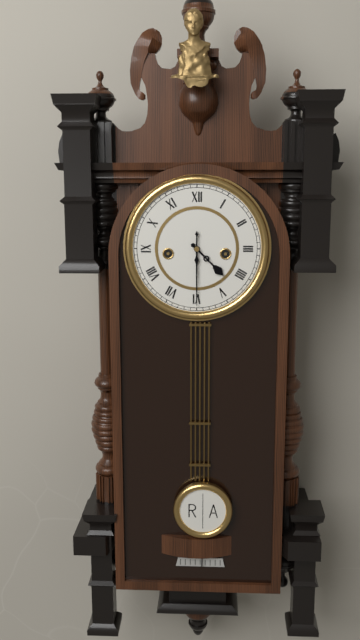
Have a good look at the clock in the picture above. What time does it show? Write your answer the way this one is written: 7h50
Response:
4h30
